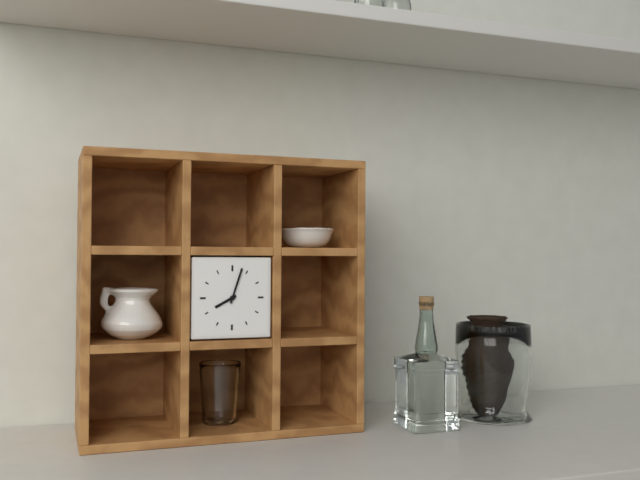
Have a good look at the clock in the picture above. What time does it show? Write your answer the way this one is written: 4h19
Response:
8h03
